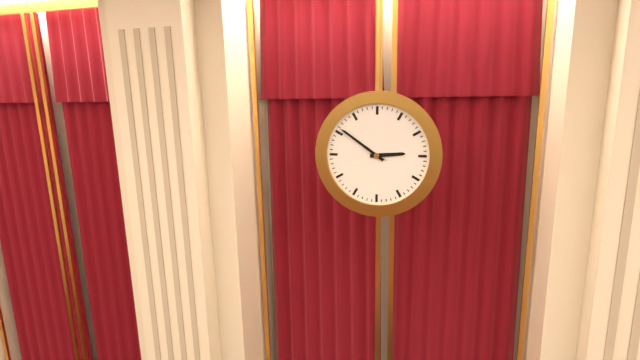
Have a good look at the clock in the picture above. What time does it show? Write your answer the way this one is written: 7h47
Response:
2h51
